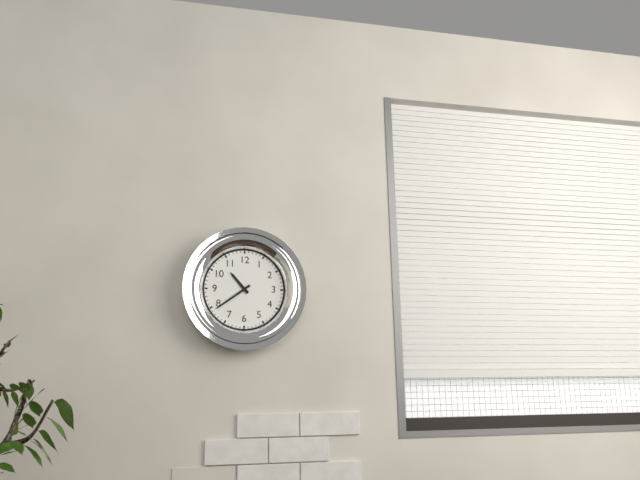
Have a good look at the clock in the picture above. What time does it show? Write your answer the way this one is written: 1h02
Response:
10h39
